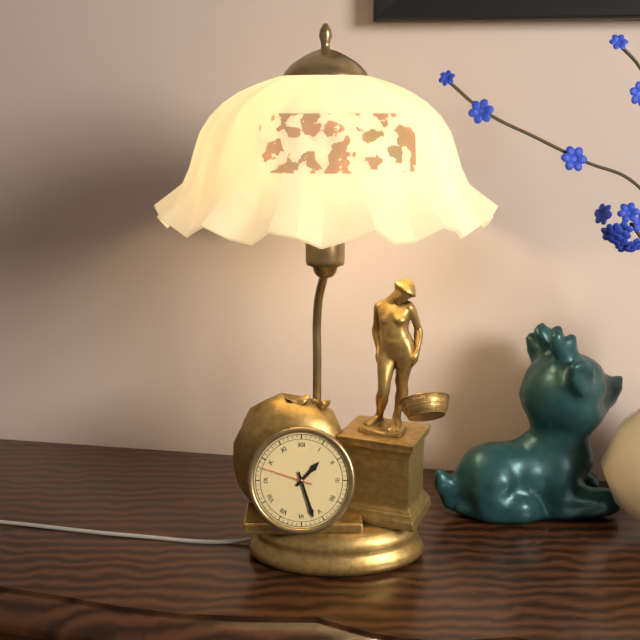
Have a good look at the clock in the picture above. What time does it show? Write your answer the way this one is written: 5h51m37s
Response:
1h27m48s
